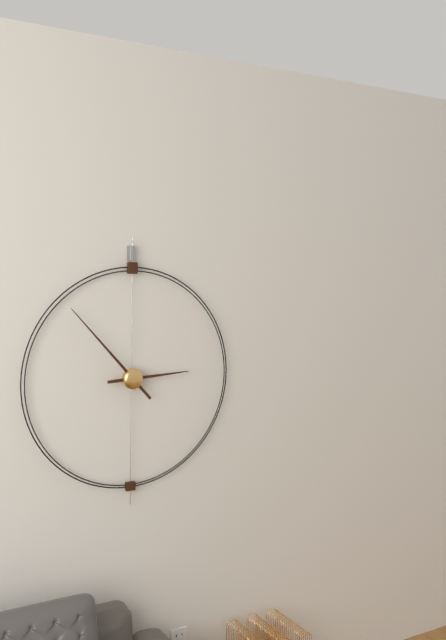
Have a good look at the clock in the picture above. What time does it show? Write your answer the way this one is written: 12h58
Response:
2h53
